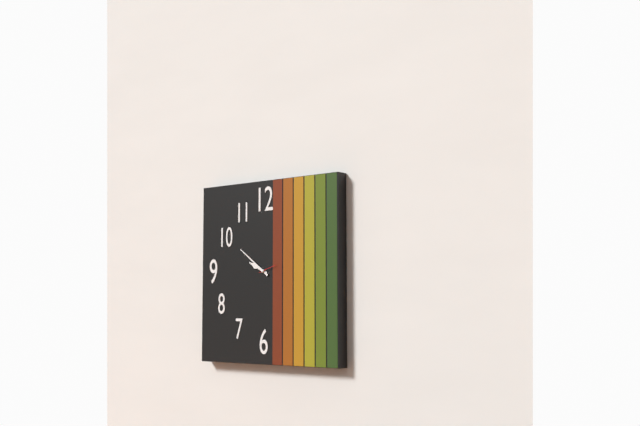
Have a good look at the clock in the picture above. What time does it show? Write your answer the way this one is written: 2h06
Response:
9h51
